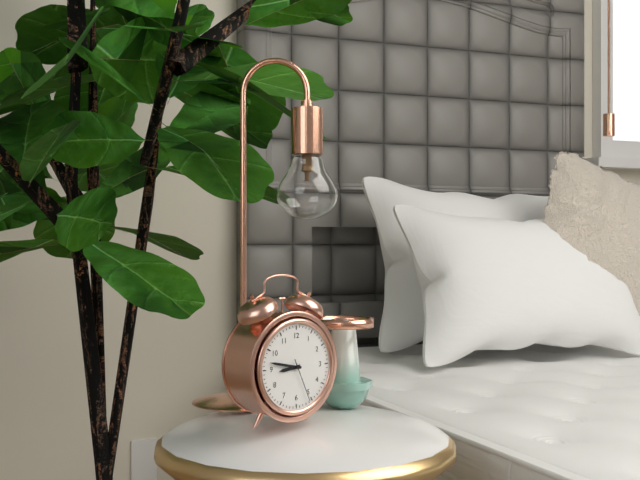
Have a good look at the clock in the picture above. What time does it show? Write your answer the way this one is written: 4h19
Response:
8h47
